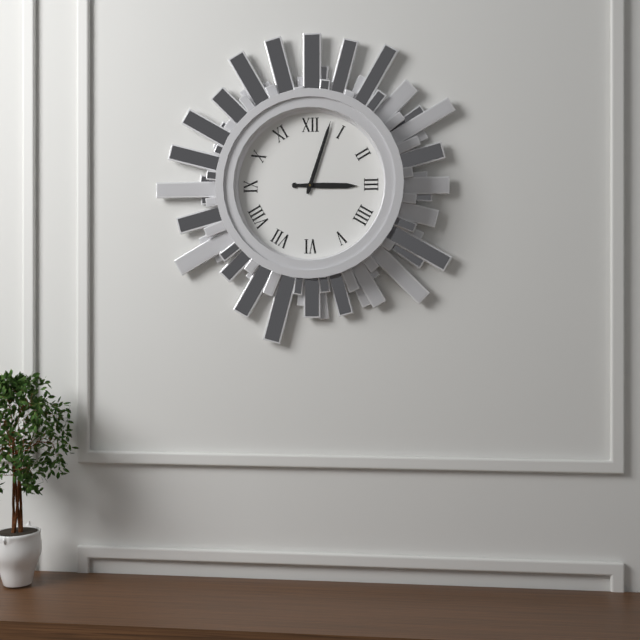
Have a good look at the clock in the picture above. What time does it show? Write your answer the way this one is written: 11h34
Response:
3h03
